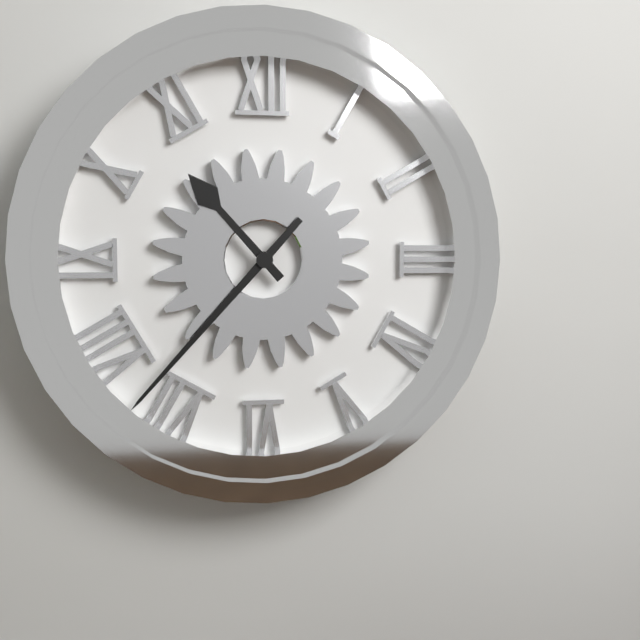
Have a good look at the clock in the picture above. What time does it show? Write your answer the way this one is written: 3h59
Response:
10h37
